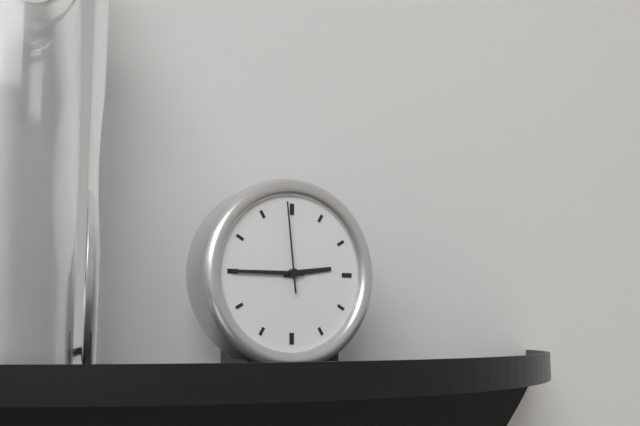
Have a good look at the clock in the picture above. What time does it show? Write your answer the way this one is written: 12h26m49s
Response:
2h45m59s
